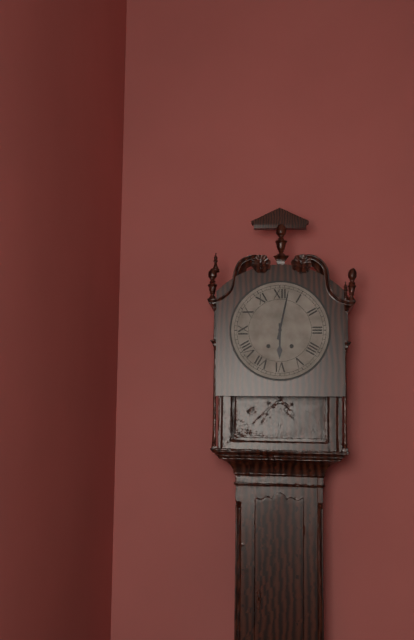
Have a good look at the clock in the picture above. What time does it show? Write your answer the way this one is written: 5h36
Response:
6h02
